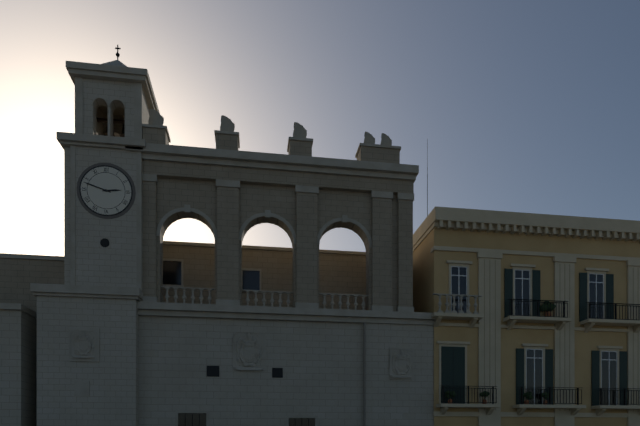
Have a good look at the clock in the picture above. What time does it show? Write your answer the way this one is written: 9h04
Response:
2h48
